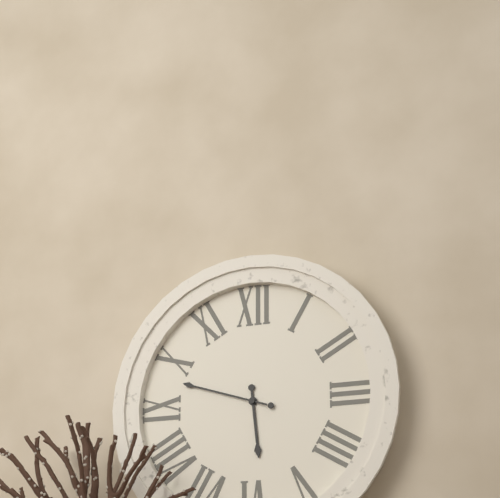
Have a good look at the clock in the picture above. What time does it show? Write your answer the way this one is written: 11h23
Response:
5h48
